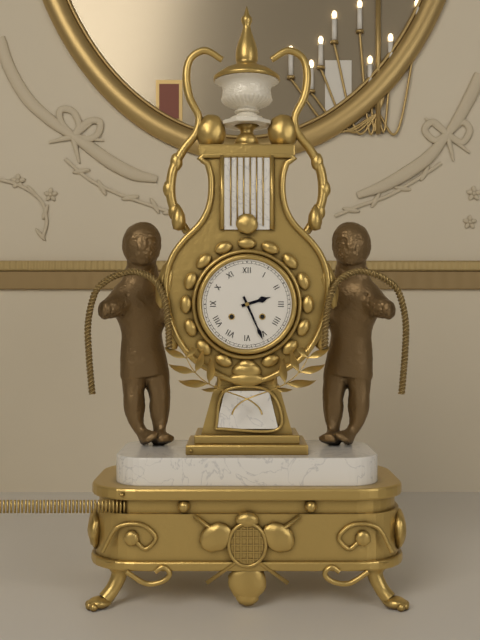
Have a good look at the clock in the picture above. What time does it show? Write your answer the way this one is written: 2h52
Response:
2h26
